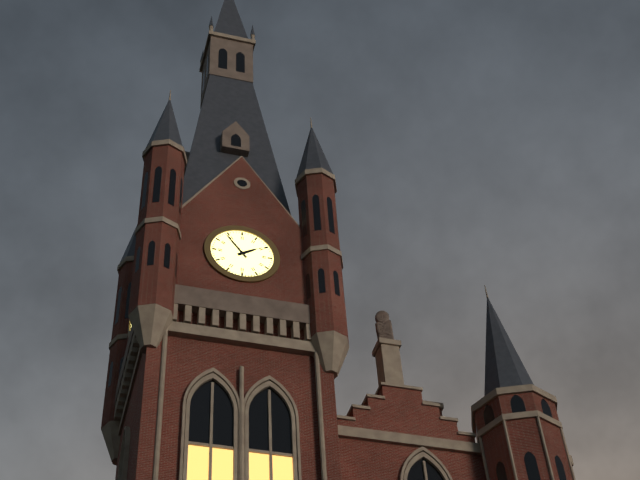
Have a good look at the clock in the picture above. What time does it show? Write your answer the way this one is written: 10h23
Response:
1h54
